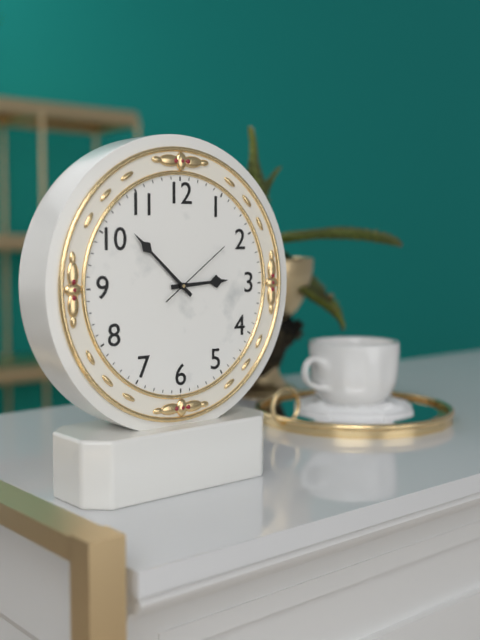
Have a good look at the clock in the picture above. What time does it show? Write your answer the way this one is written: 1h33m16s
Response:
2h52m09s
